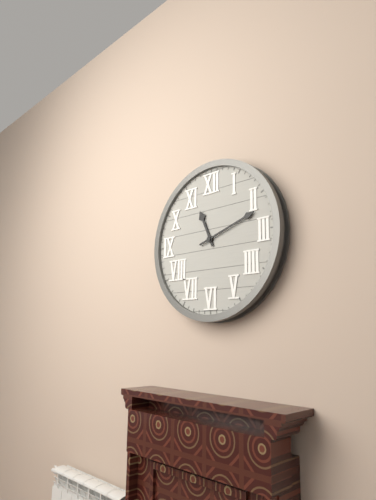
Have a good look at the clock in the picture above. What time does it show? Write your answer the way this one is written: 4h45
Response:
11h12
